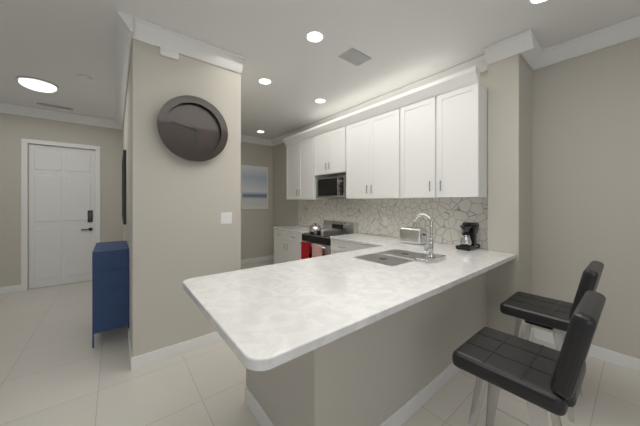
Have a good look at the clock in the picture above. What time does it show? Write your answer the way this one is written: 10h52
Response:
5h47
